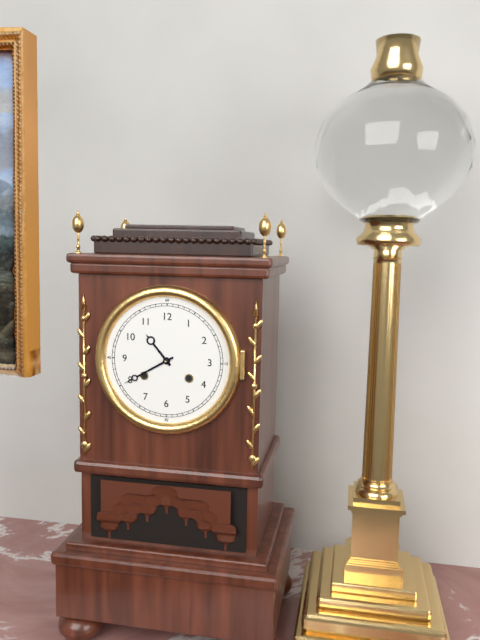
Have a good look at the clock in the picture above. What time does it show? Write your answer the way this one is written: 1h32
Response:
10h40
